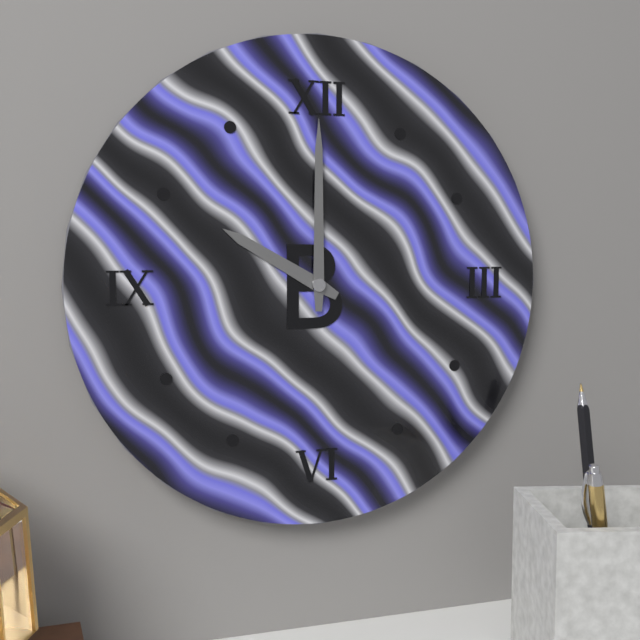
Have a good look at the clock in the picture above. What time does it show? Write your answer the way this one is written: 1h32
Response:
10h00
